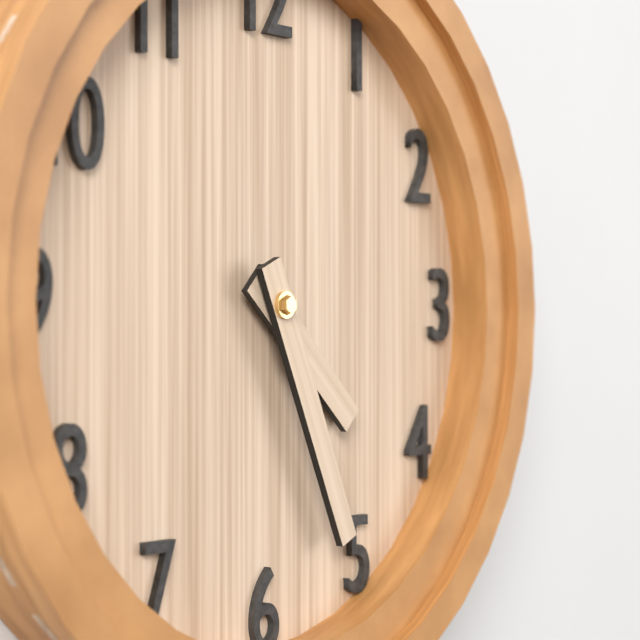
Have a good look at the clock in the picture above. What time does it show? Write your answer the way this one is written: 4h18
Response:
4h26
